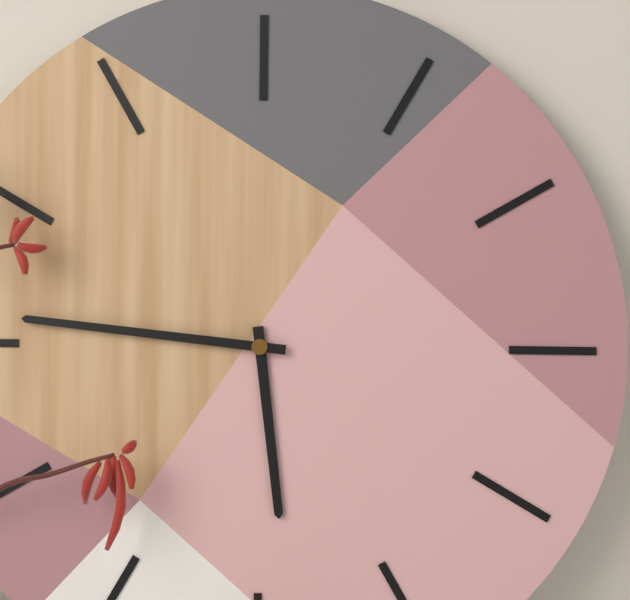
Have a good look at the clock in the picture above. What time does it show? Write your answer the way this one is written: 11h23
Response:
5h46
